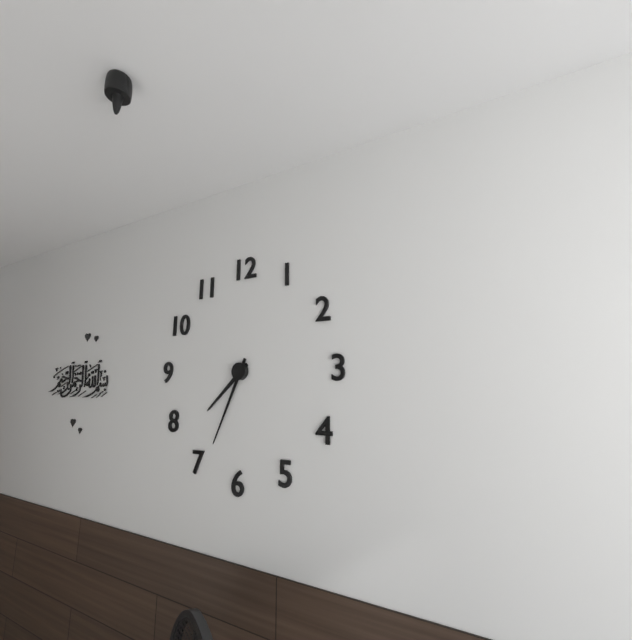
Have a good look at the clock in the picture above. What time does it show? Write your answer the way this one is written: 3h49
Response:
7h34
